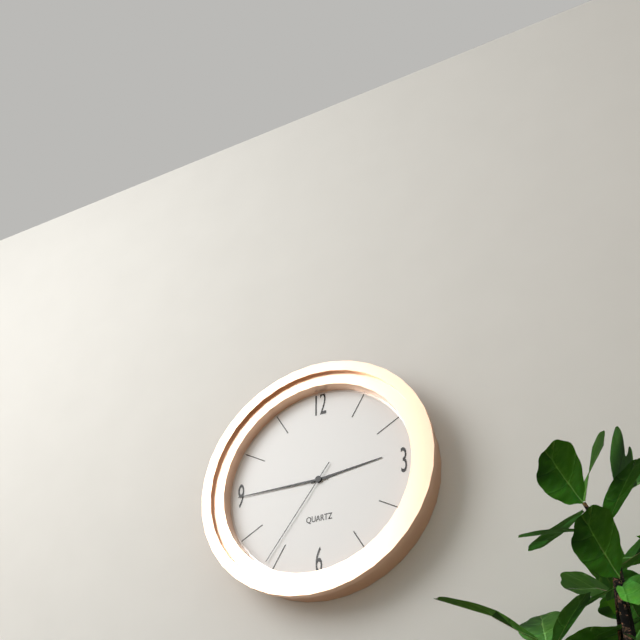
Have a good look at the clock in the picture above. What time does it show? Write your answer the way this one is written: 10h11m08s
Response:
2h45m36s
